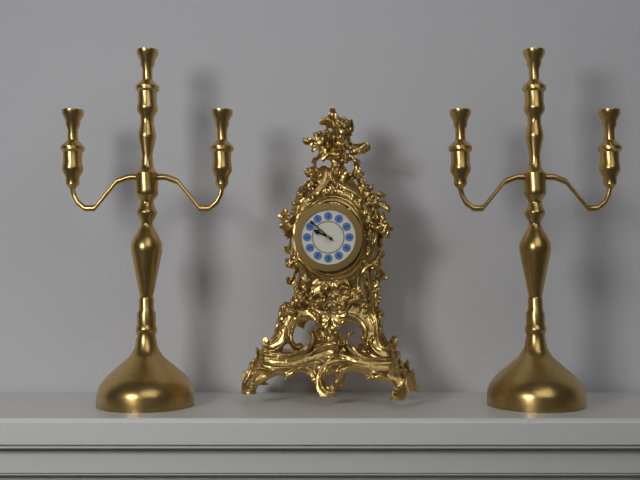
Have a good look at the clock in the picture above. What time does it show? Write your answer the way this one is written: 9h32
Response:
9h52
